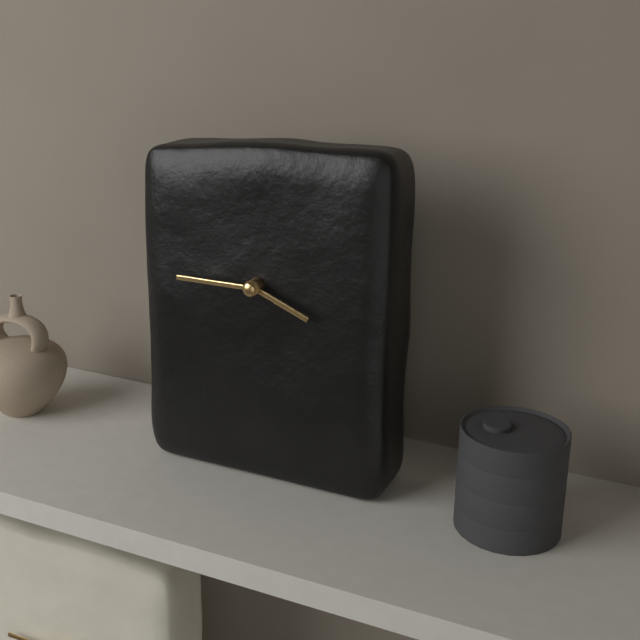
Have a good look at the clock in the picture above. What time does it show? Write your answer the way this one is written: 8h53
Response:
3h45
